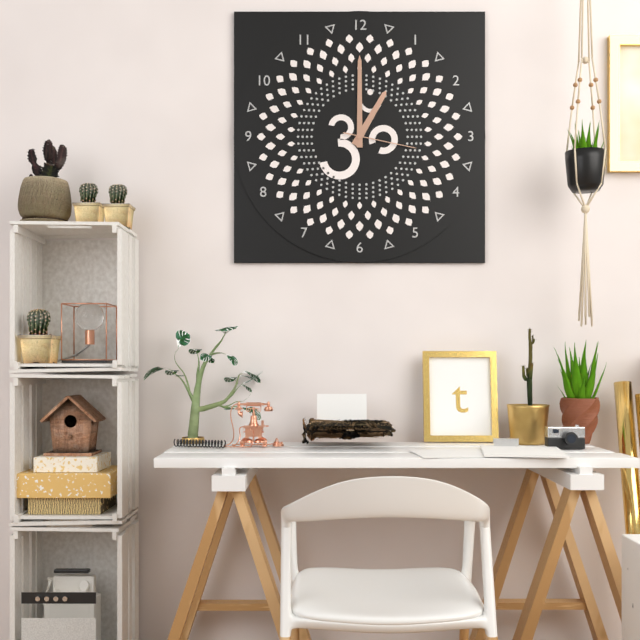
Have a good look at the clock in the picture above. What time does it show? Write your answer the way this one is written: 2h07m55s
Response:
1h00m17s
